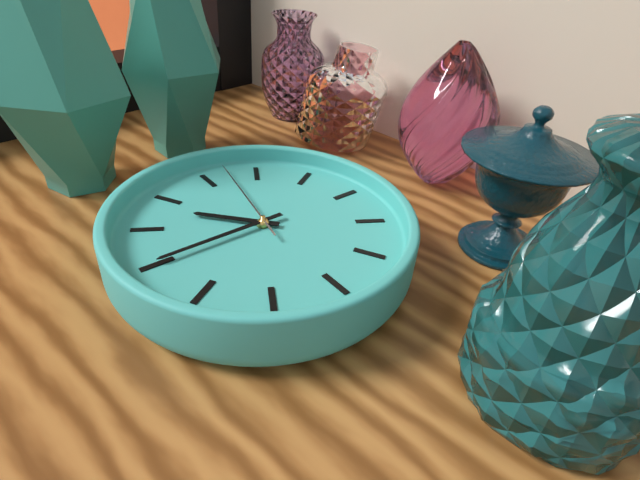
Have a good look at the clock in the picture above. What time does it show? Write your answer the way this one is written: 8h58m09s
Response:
8h35m52s
